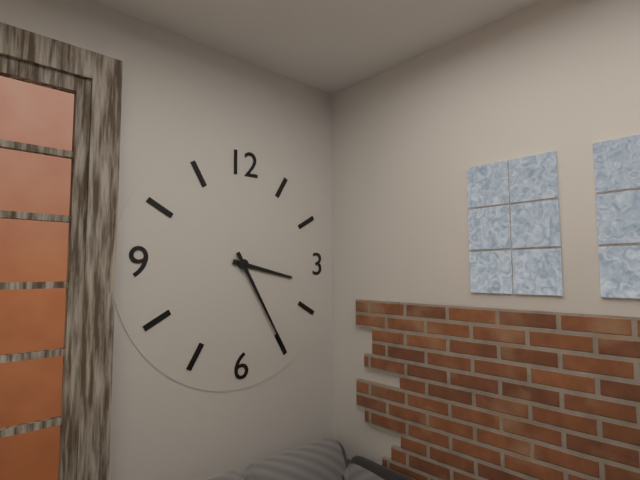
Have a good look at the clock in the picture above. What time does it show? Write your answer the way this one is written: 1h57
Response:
3h25
